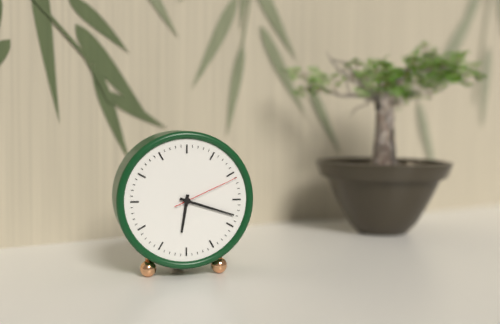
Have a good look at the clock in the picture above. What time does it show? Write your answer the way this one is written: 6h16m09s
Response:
6h18m11s
